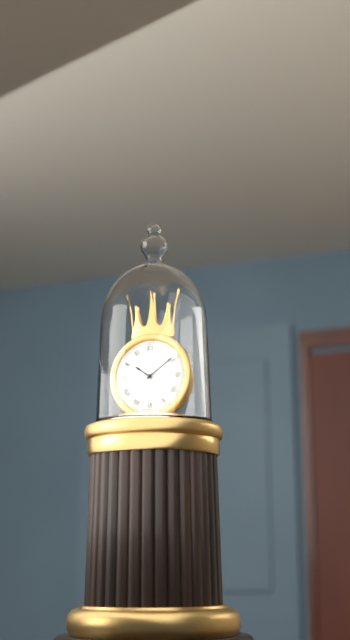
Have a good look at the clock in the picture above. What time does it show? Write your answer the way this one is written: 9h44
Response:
10h09
